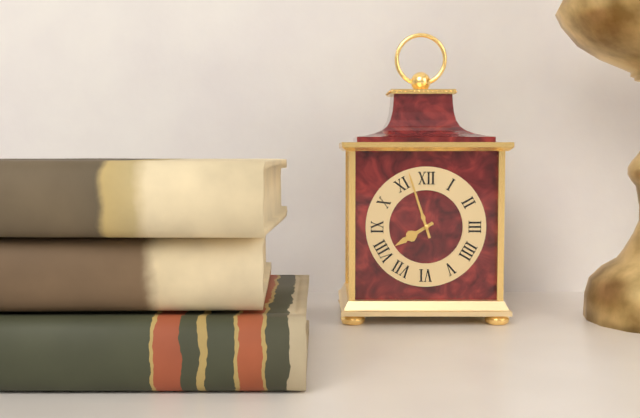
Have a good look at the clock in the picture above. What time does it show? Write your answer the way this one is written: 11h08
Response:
7h57
